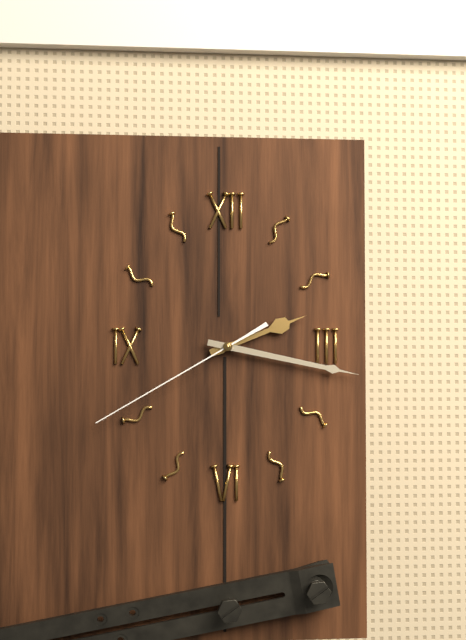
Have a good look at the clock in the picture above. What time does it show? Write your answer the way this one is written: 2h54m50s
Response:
2h17m40s
